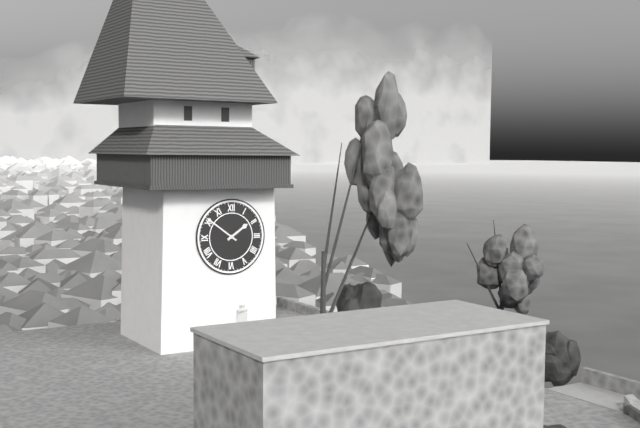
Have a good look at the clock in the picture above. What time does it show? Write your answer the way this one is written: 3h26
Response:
1h51
